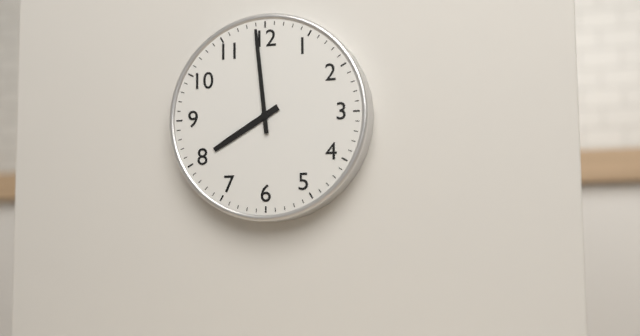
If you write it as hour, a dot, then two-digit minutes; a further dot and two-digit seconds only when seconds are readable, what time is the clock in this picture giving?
7.59
